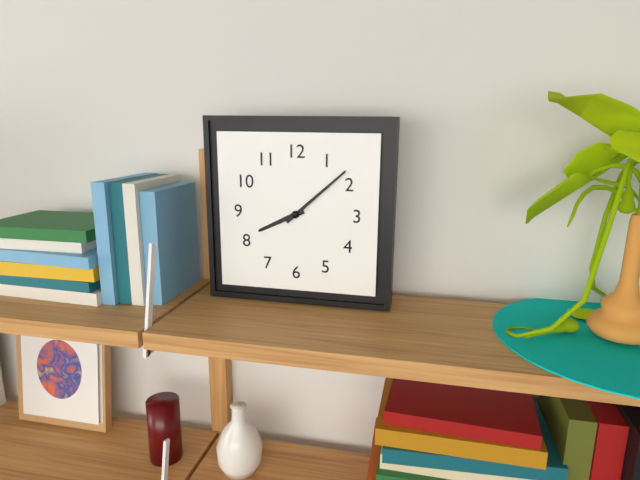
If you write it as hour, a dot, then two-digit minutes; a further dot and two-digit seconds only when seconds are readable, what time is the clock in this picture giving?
8.08
